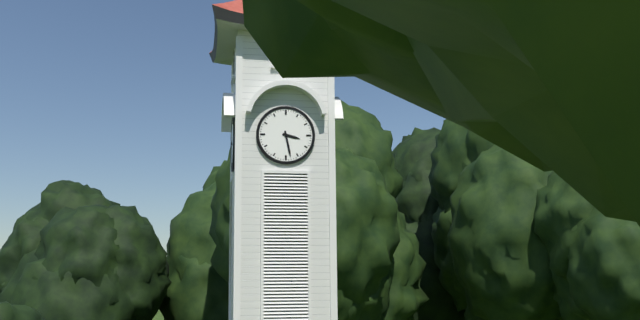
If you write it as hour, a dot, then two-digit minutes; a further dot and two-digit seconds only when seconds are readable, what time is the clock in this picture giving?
3.28
